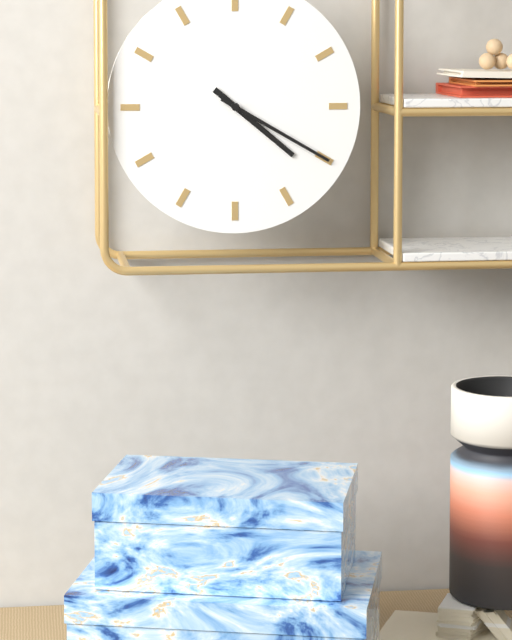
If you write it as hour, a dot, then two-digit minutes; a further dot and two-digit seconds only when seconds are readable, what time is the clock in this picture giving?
4.20
